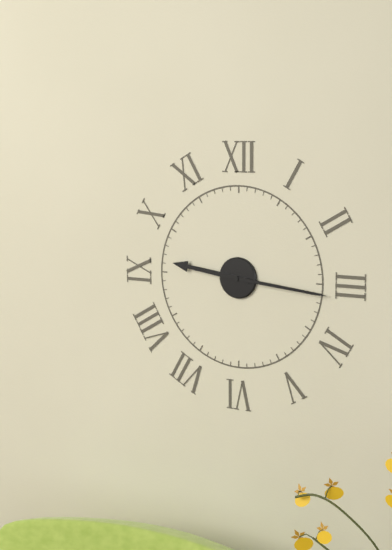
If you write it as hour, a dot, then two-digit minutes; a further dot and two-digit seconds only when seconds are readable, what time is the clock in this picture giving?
9.16
